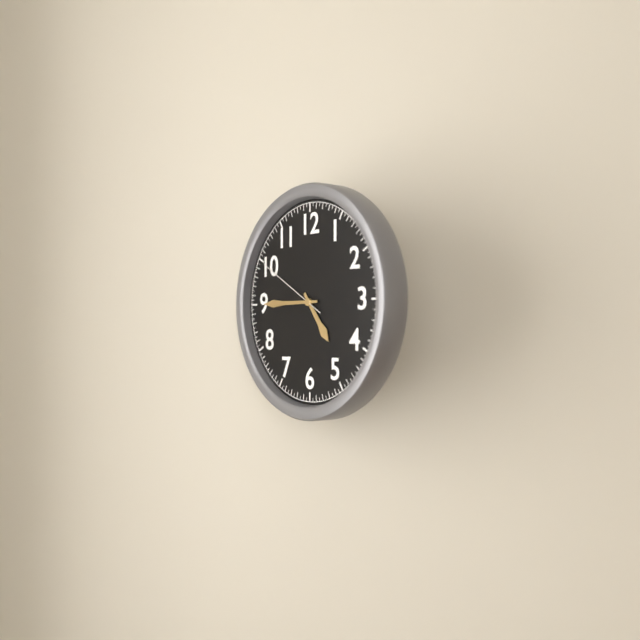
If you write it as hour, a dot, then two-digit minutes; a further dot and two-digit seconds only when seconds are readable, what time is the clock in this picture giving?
4.45.50
